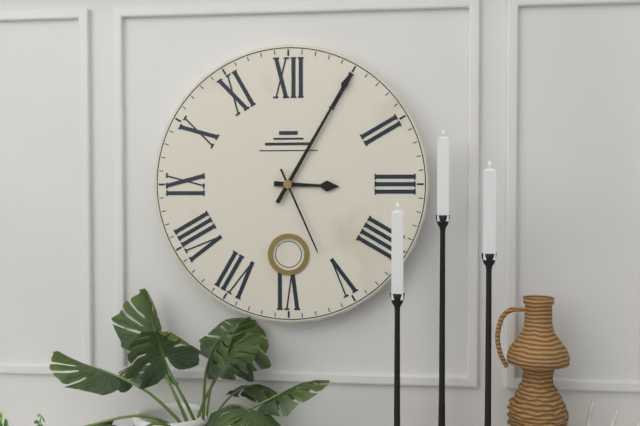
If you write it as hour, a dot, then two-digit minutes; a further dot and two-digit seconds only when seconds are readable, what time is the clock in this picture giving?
3.05.26
